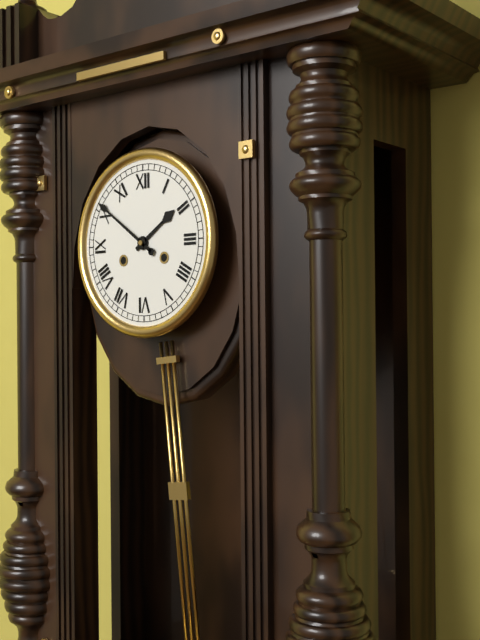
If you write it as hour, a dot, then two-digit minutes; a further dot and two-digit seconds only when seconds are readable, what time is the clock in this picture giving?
1.51
